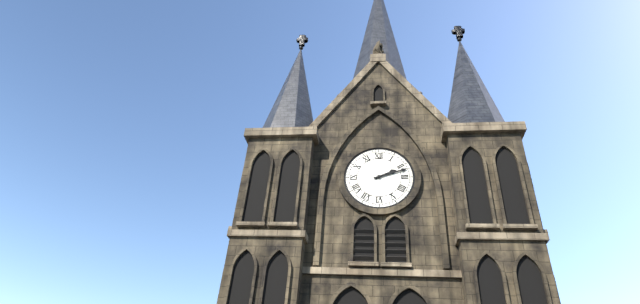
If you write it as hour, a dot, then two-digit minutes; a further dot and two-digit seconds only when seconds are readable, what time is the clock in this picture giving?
2.12
